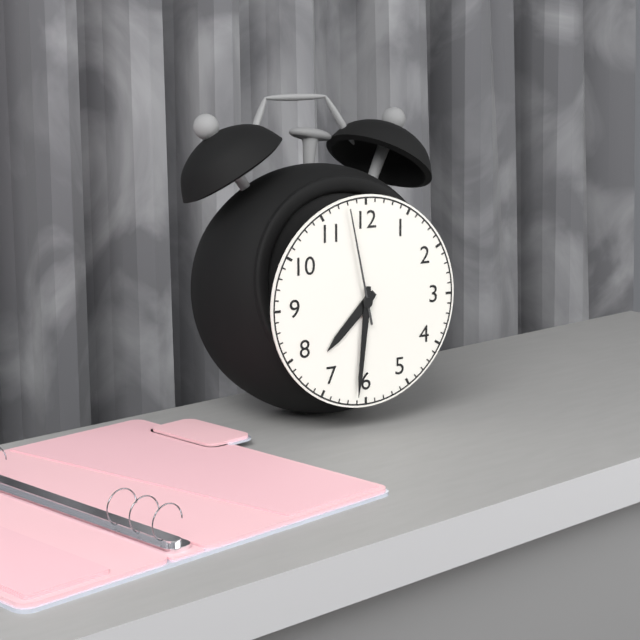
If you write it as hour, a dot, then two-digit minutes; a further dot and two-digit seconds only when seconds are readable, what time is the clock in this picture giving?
7.31.58
